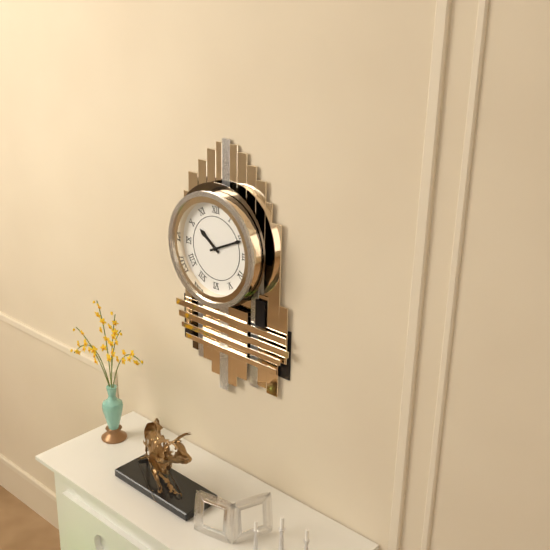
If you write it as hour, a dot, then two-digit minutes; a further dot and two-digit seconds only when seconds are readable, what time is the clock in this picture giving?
10.11
